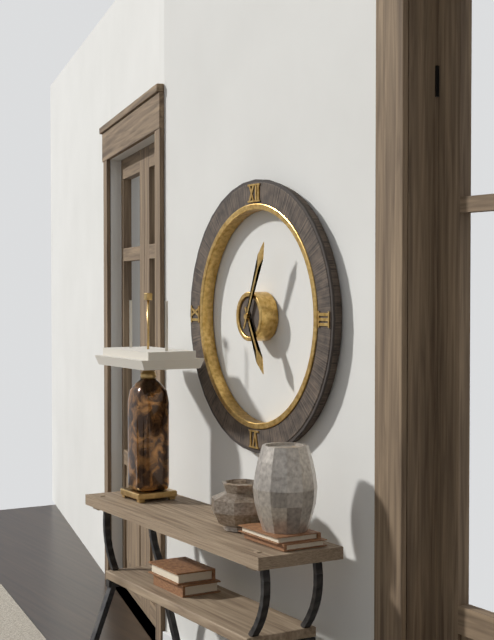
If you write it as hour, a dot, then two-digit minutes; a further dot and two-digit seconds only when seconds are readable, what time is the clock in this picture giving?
5.04
